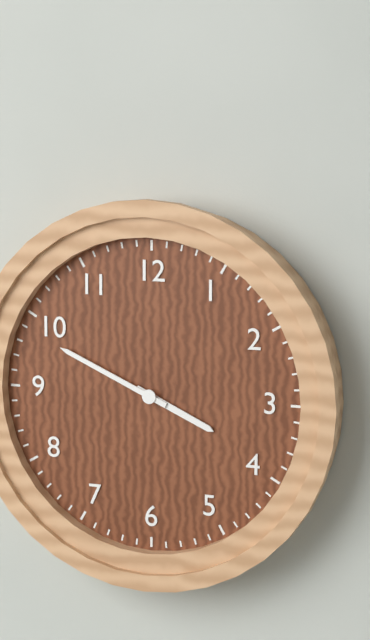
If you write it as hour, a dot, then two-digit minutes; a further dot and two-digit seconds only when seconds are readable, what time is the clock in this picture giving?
3.49
